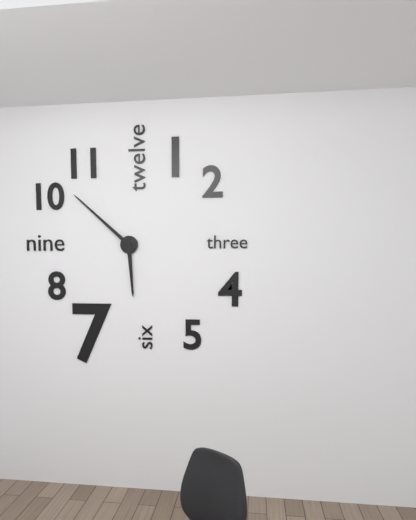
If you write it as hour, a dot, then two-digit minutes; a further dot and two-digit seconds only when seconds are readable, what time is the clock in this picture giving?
5.52
